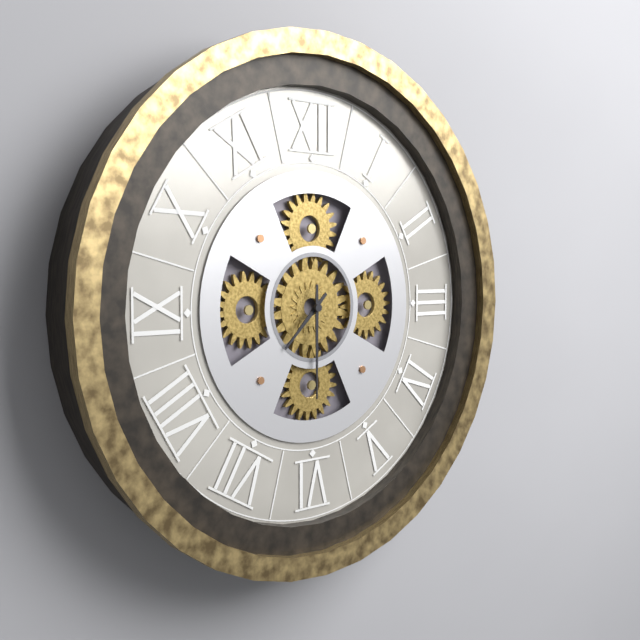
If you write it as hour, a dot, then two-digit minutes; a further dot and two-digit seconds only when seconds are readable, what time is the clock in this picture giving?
7.30
